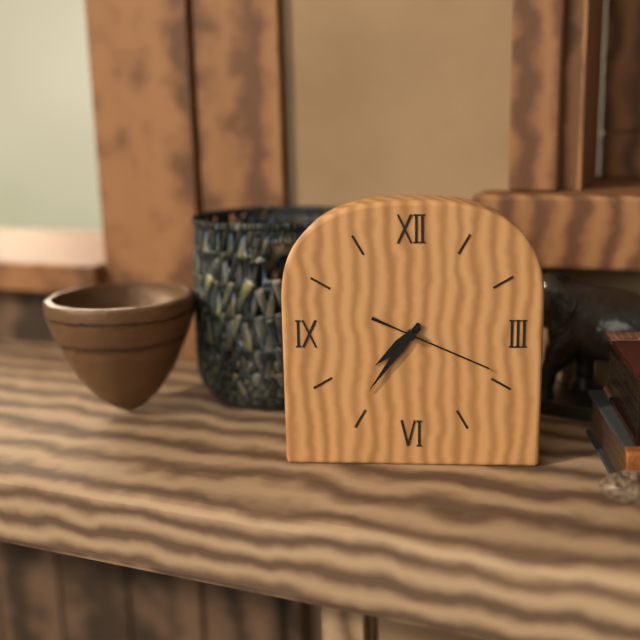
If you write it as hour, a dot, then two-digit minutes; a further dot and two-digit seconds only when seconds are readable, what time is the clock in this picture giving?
7.36.19
